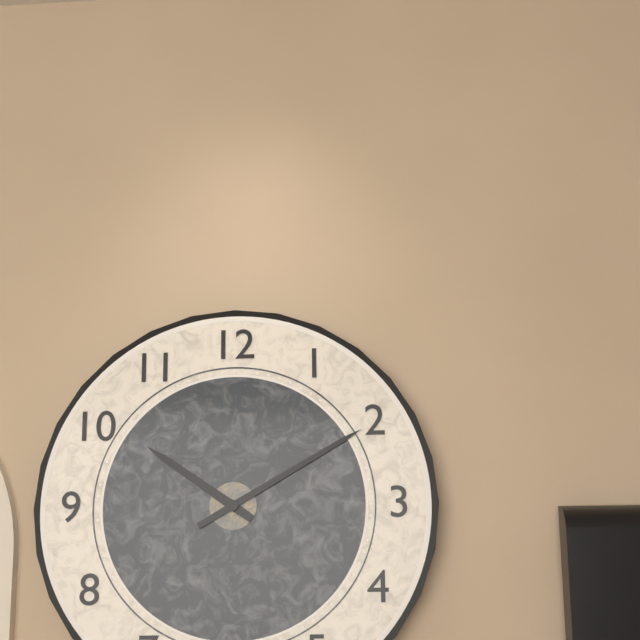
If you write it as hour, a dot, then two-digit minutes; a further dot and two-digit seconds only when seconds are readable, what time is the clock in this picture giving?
10.10
